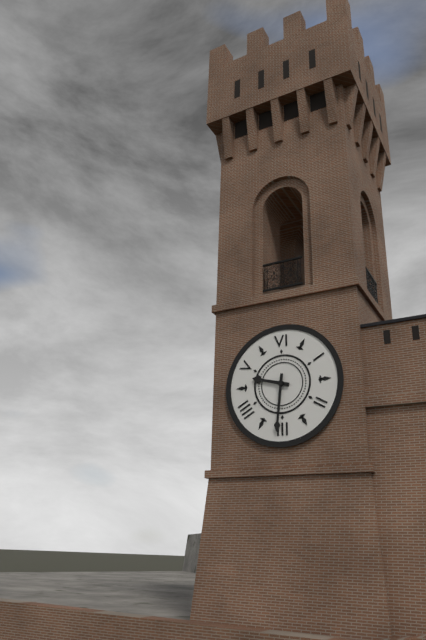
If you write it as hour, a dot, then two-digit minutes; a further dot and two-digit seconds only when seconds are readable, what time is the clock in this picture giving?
9.31
